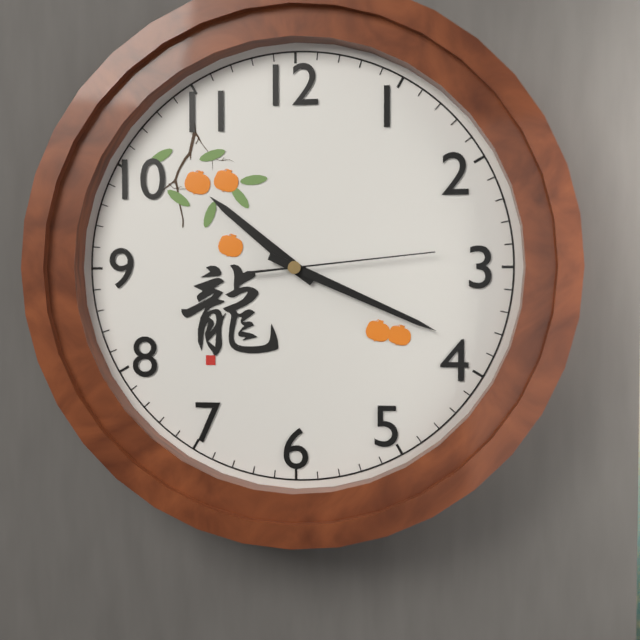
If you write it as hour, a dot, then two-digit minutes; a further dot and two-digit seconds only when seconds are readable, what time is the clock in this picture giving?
10.19.14
